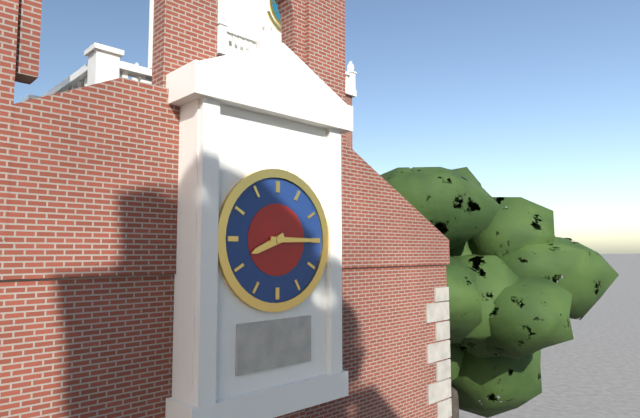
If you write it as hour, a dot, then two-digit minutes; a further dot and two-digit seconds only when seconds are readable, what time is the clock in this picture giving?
8.15
